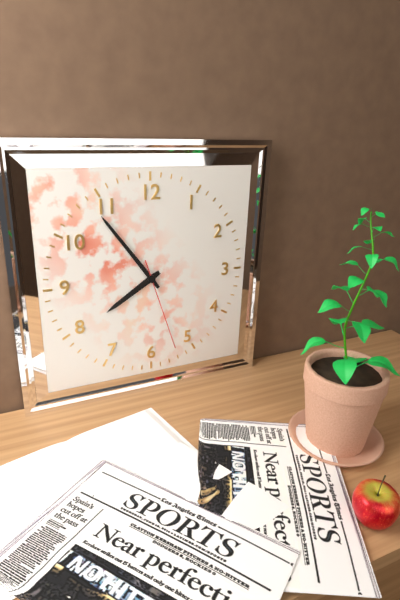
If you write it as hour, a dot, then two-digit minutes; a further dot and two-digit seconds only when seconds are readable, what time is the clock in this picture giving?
7.54.27
